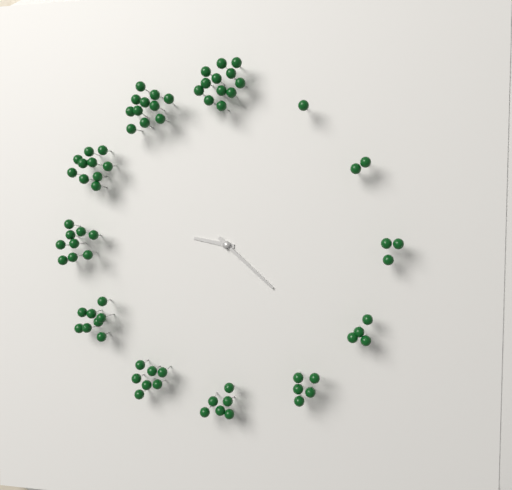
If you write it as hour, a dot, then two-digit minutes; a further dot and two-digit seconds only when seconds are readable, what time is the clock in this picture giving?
9.22
